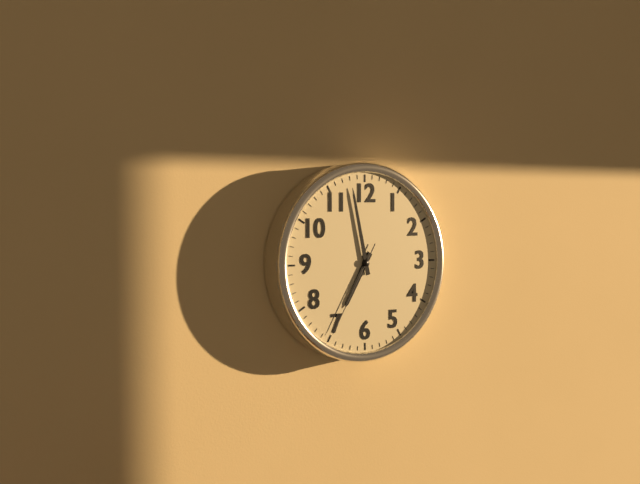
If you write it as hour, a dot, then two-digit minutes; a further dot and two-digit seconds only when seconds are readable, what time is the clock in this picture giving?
6.58.35
